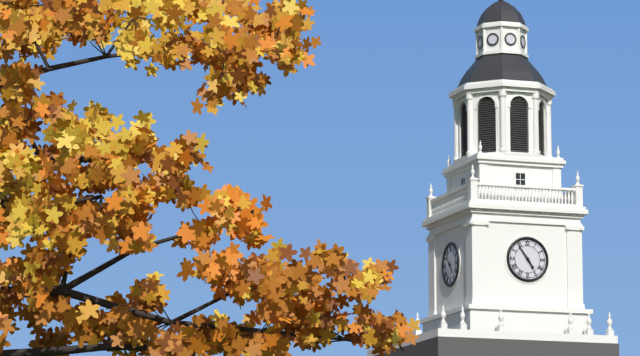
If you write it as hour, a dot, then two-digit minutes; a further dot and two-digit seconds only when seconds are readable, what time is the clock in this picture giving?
4.54
